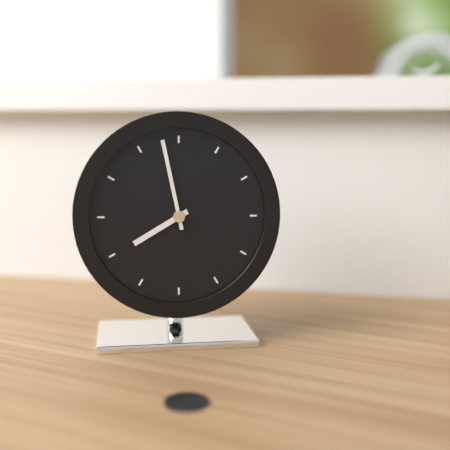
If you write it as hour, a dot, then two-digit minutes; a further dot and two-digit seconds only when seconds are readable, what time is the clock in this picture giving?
7.58
